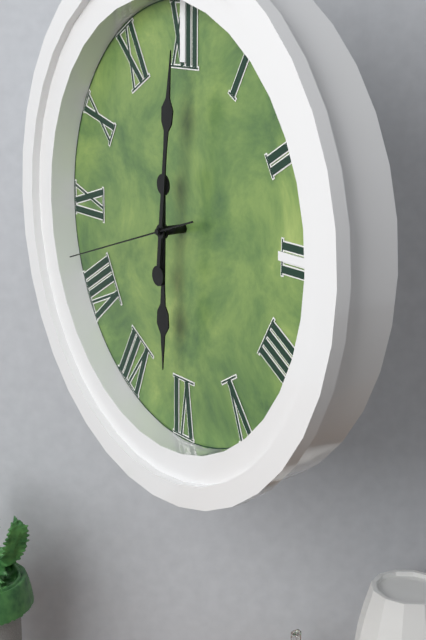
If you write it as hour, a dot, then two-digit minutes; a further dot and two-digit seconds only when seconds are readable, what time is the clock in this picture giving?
6.01.42
